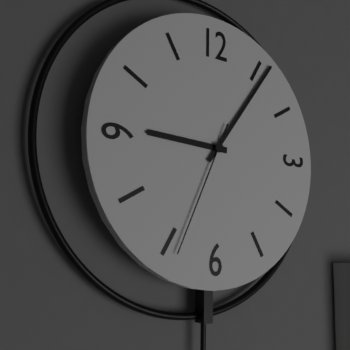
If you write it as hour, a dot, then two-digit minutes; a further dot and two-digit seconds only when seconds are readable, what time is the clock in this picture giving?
9.06.34
